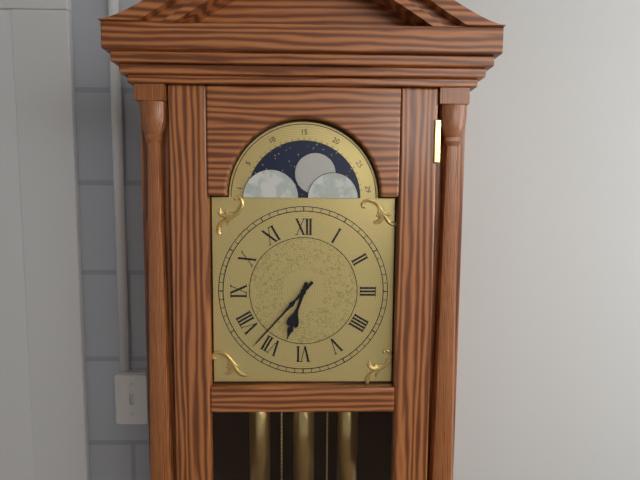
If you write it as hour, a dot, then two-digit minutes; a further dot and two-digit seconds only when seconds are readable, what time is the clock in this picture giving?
6.37
